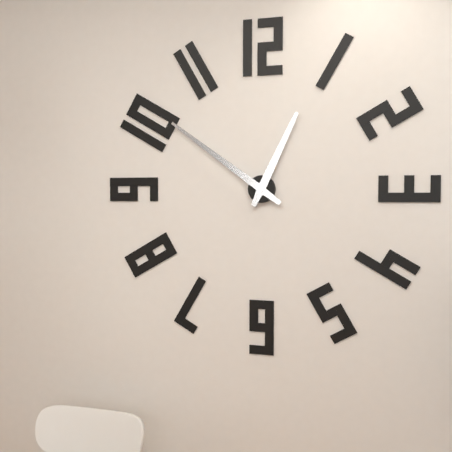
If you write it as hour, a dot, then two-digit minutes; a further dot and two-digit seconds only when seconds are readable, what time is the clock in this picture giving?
12.51
